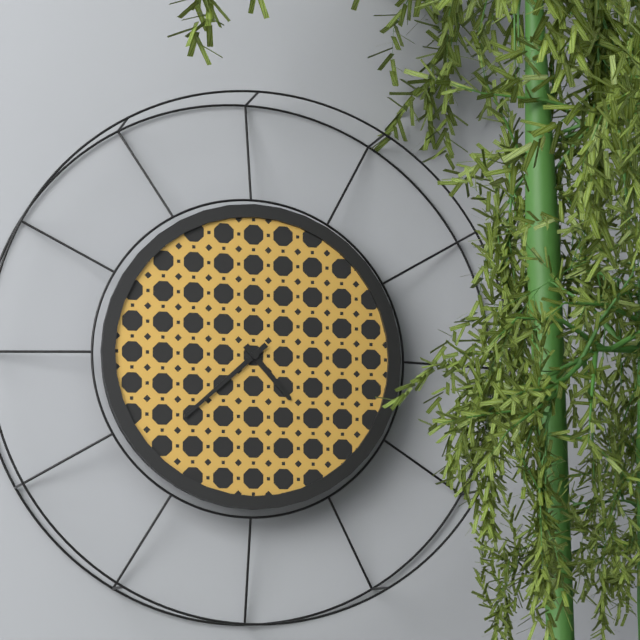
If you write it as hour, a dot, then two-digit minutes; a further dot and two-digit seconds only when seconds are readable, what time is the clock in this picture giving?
4.38
